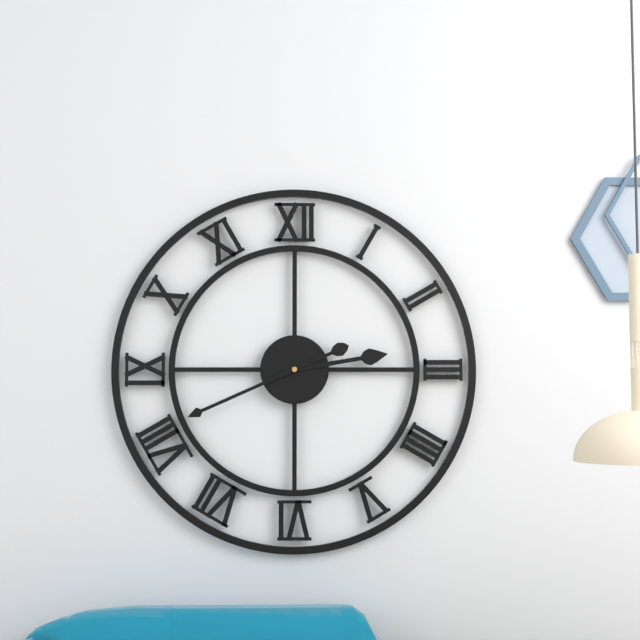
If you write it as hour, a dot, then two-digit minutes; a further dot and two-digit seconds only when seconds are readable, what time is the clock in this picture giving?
2.41
